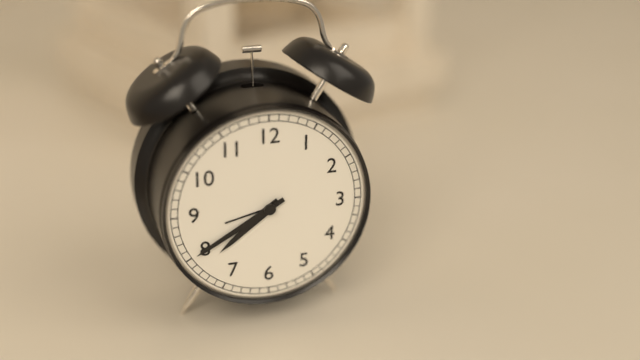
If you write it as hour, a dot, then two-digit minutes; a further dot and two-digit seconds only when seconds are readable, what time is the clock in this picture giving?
7.40
